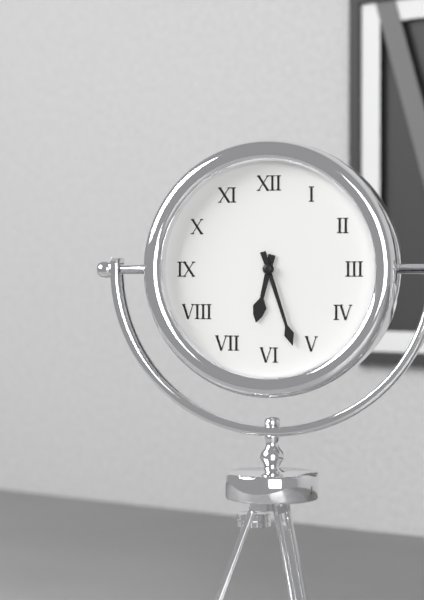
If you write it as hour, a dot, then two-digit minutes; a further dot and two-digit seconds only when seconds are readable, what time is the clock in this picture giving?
6.27
